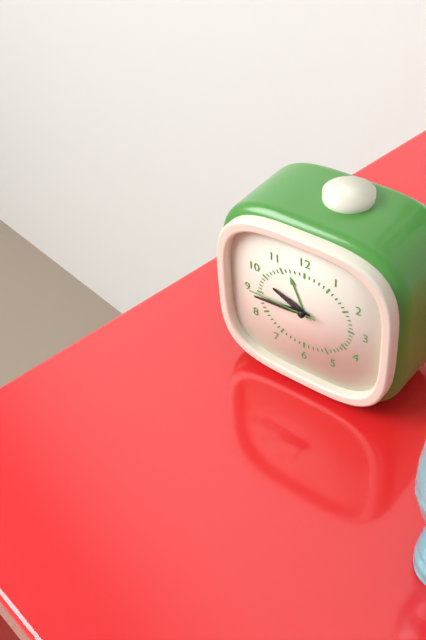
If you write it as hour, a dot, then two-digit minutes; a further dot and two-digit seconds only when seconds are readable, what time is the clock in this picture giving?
9.44.45
